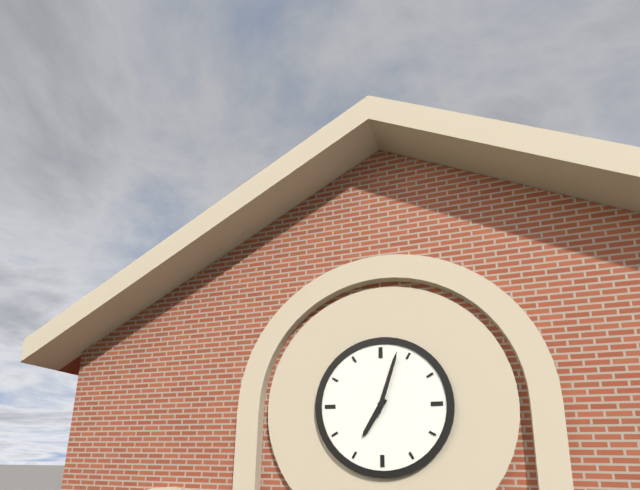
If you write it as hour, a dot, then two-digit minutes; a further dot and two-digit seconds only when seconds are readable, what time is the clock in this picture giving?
7.03
